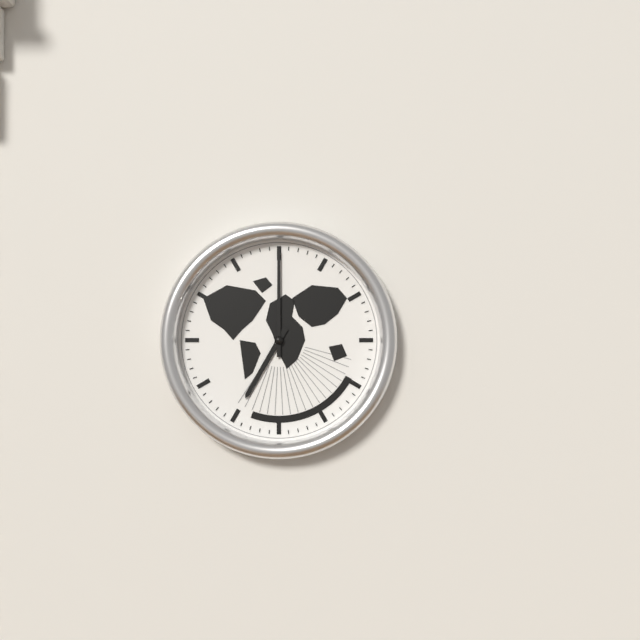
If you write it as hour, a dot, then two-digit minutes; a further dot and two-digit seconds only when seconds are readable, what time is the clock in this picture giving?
7.00
